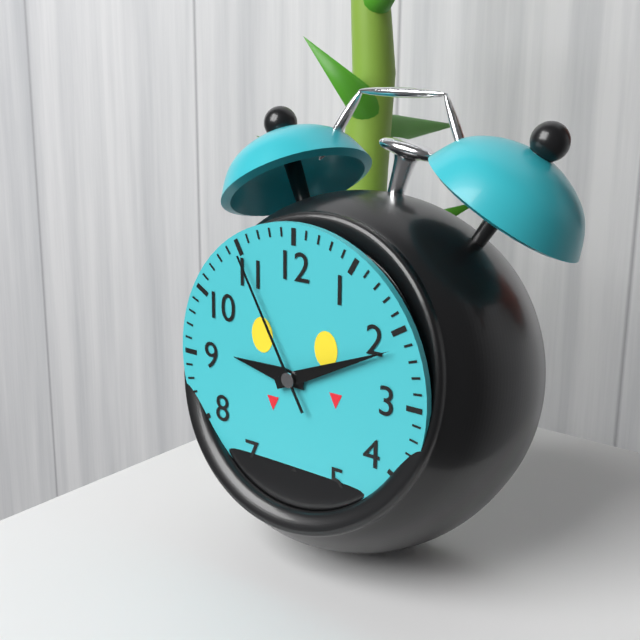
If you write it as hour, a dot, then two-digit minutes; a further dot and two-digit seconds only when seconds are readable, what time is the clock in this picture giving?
9.11.55
